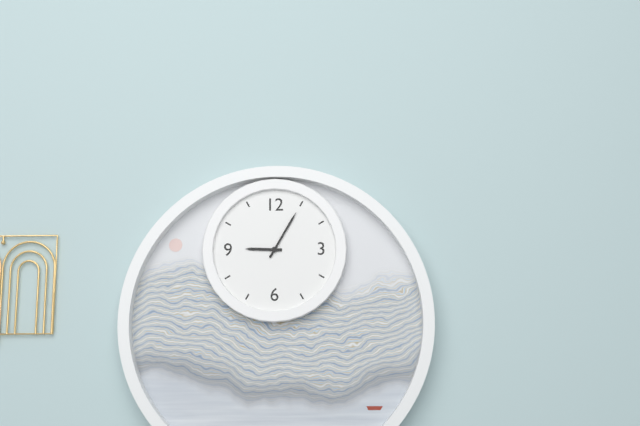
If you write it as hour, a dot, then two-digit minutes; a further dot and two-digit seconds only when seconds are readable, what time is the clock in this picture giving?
9.05
